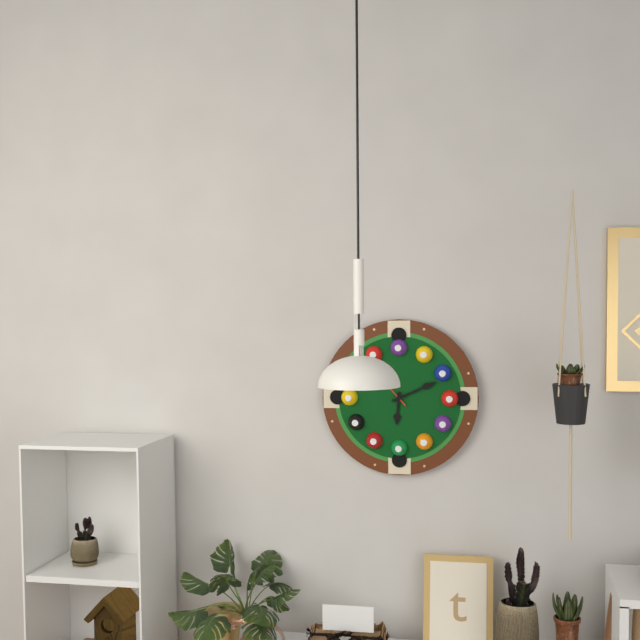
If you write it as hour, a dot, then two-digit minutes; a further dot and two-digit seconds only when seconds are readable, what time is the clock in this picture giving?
6.11
